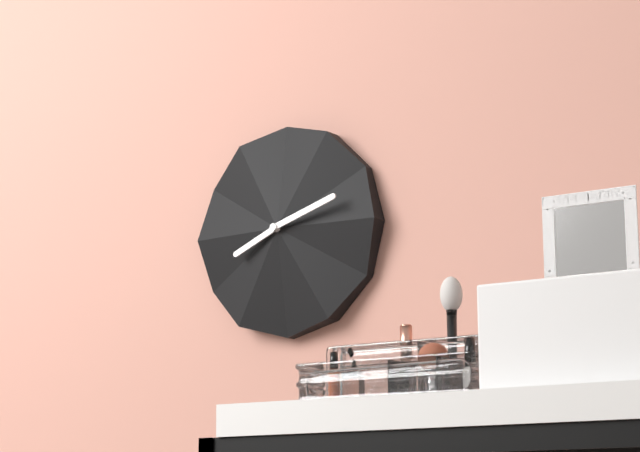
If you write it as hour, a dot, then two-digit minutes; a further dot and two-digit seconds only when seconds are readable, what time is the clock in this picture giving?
8.12
